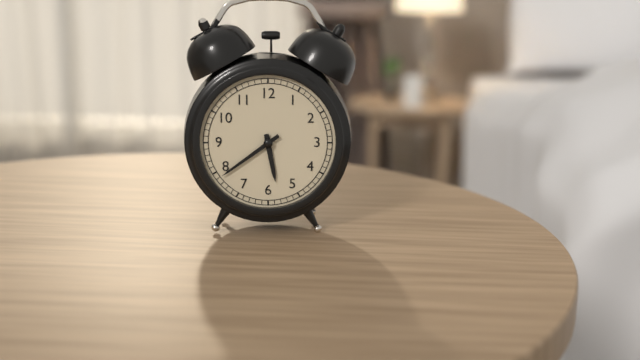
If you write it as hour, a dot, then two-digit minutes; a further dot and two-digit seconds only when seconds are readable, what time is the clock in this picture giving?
5.39
